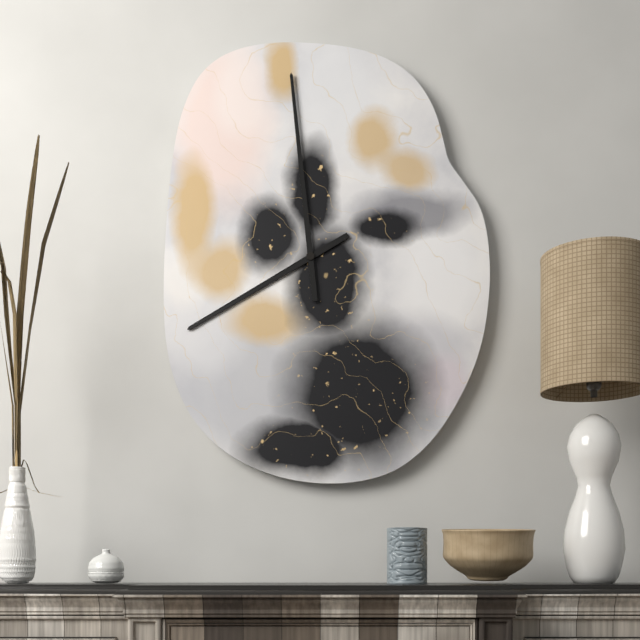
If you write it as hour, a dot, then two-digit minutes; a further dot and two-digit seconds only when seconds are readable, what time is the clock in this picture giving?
7.59
